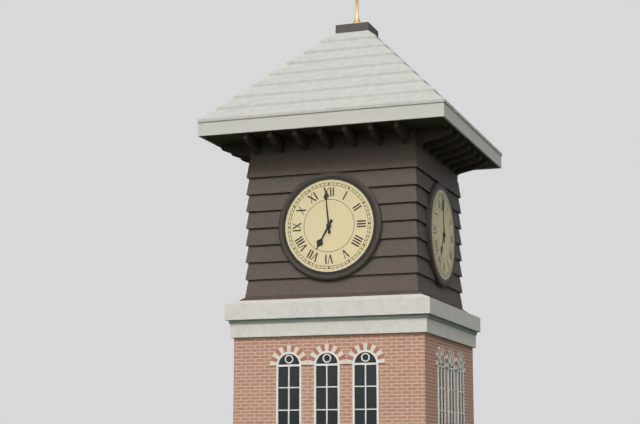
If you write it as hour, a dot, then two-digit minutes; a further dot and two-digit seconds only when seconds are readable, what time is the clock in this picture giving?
6.59
